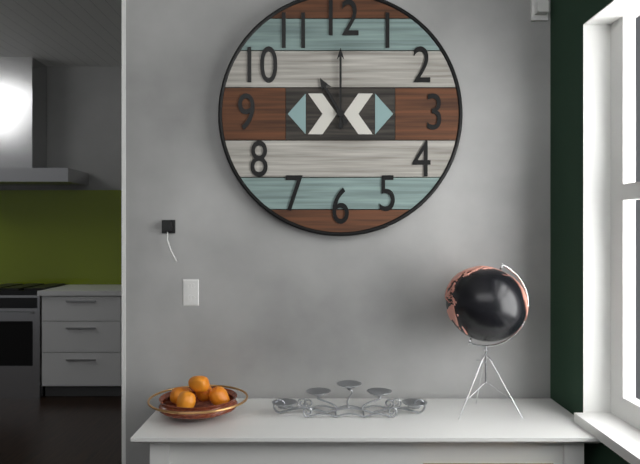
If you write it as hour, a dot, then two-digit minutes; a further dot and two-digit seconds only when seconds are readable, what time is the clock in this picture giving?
11.00
